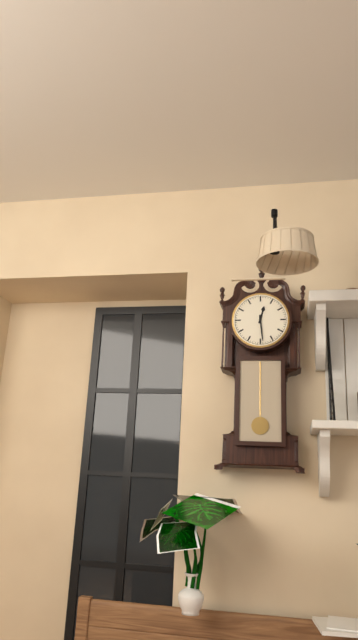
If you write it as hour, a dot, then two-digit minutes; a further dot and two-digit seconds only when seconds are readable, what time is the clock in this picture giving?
12.29
